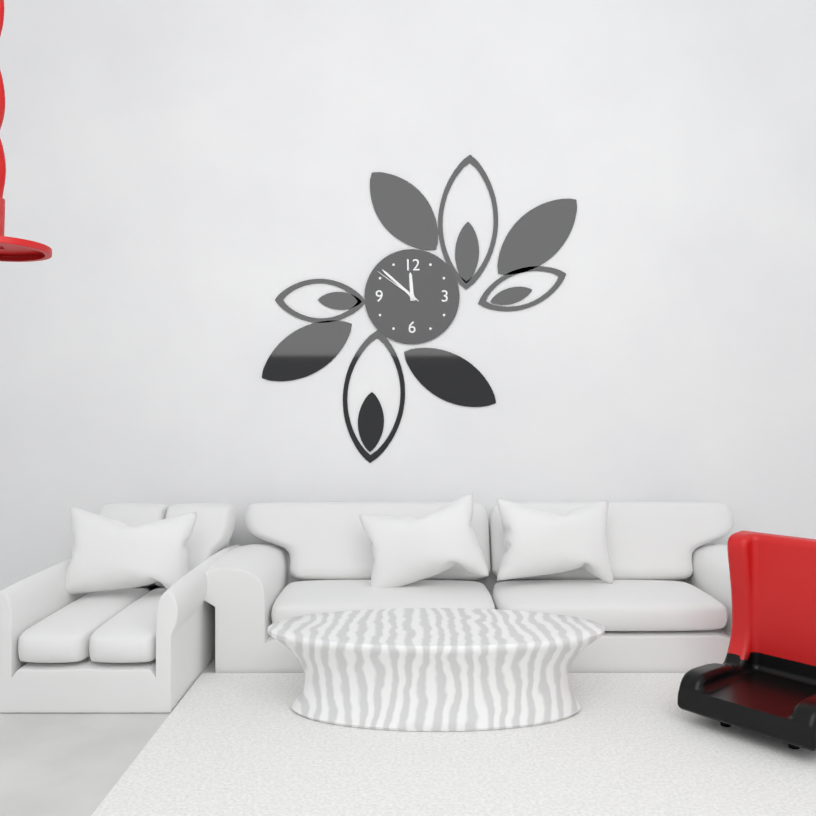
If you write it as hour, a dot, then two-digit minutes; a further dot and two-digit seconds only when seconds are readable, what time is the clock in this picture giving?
11.52.51
